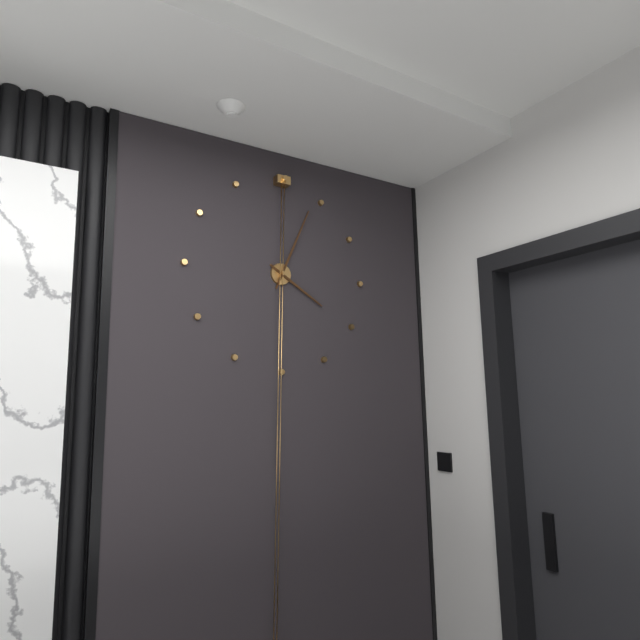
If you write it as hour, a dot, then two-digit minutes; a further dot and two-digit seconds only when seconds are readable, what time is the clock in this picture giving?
4.04
